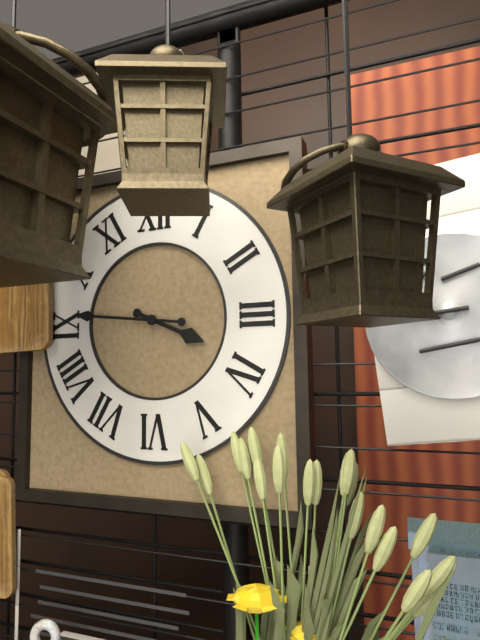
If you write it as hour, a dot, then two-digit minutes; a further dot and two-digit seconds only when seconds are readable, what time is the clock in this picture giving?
3.46
